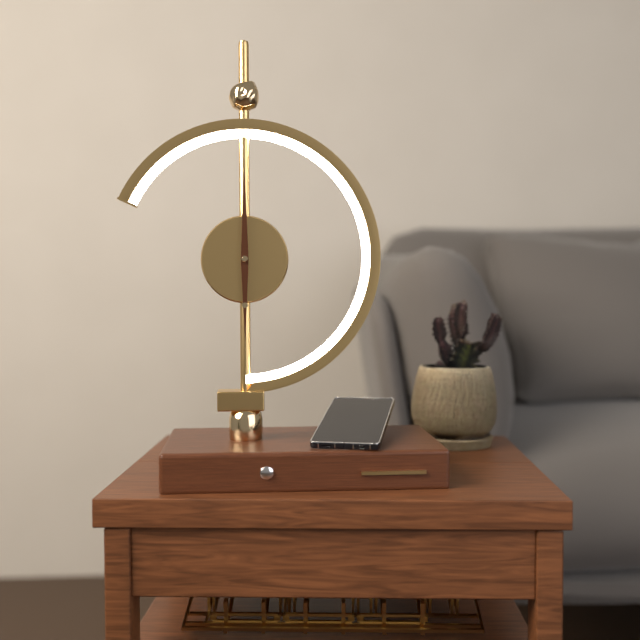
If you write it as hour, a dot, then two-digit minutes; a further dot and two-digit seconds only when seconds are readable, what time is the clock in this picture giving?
6.00
